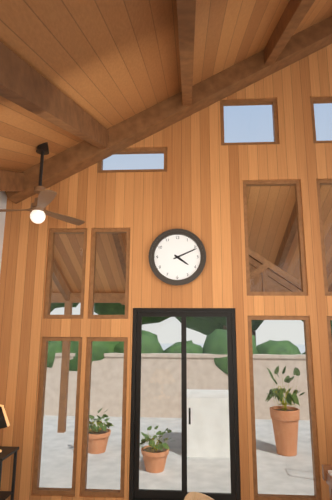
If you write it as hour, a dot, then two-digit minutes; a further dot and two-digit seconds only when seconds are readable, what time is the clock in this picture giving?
4.11
